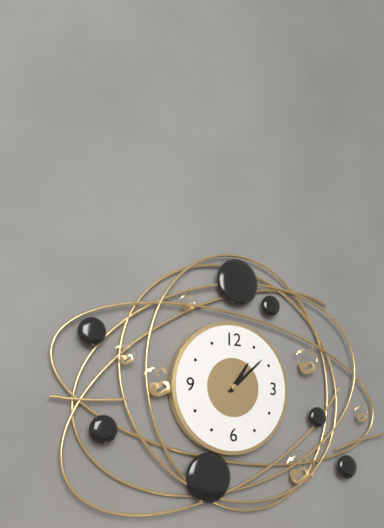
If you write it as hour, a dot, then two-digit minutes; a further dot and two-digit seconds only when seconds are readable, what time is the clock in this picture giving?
1.08
